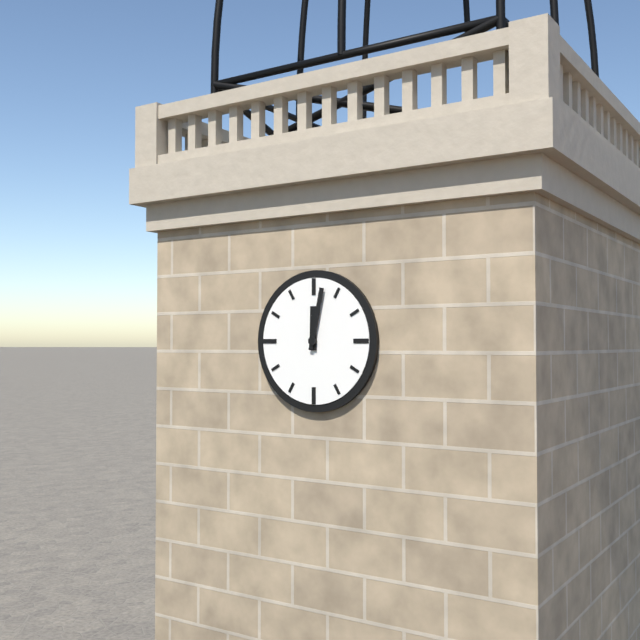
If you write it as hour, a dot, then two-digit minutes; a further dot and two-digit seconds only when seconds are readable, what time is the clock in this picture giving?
12.02
